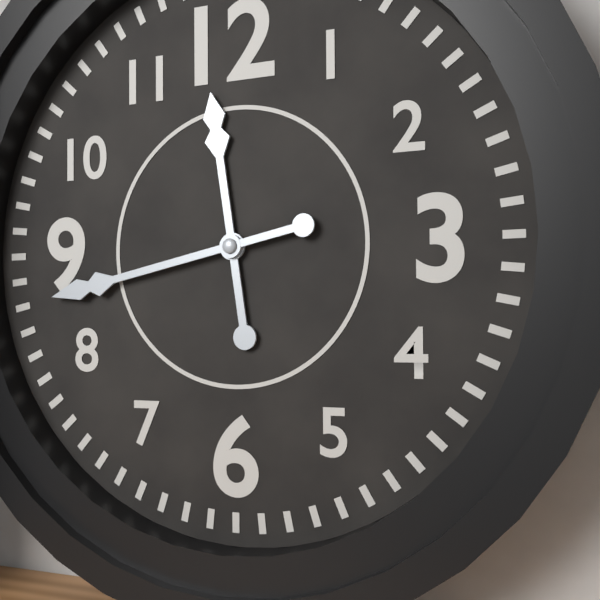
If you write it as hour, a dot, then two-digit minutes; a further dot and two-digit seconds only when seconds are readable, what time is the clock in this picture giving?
11.43
